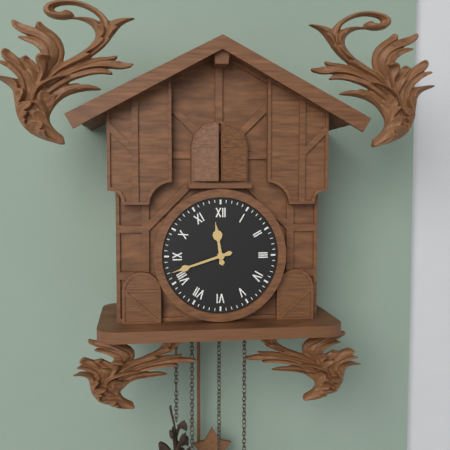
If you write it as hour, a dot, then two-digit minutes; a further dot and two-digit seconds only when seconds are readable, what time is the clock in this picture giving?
11.42
